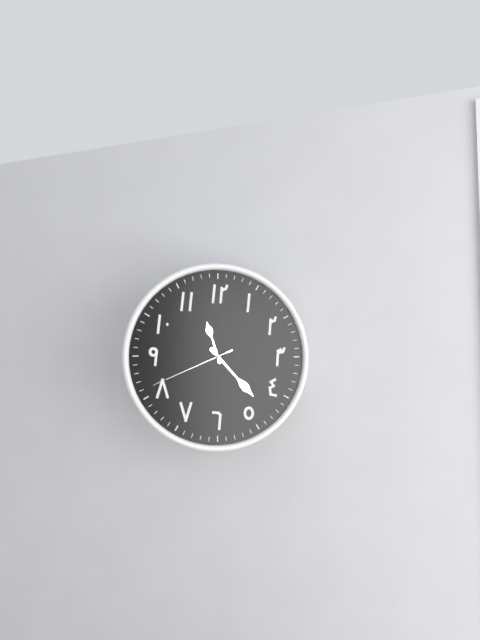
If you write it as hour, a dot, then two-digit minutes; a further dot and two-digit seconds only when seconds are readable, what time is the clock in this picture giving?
11.23.41
